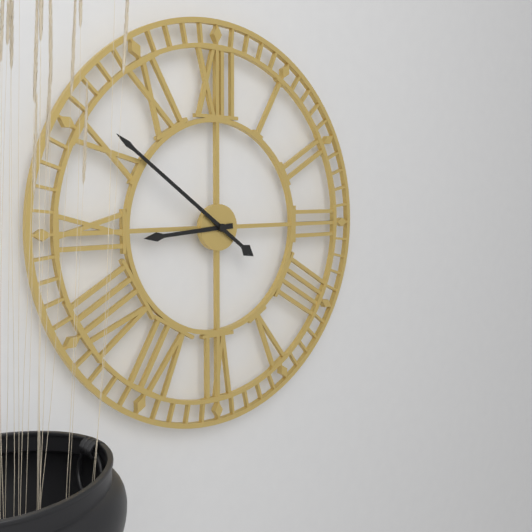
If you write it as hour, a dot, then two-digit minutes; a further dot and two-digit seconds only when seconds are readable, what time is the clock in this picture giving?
8.51
